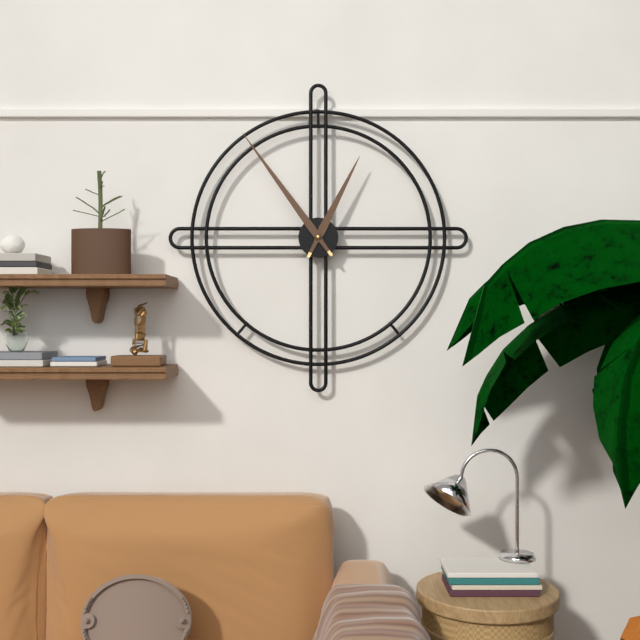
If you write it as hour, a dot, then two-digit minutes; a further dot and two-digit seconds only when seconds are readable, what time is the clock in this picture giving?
12.54
